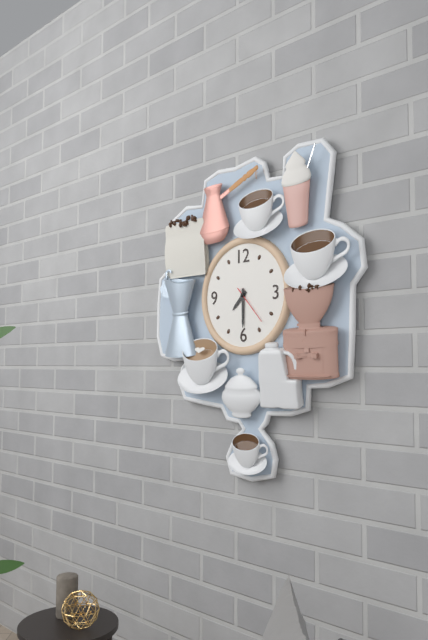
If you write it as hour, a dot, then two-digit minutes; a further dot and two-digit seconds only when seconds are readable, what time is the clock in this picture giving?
7.30
